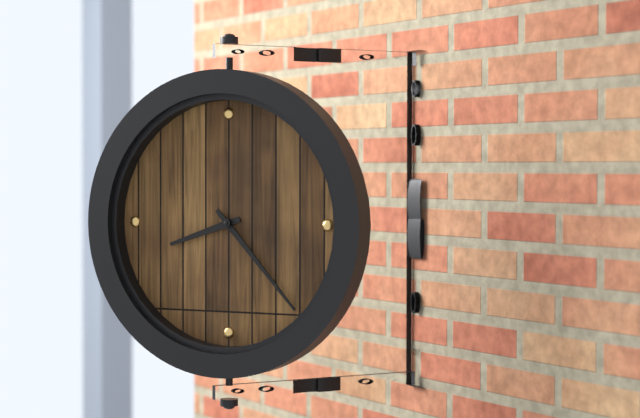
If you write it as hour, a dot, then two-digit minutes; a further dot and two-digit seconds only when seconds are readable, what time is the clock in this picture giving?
8.23
